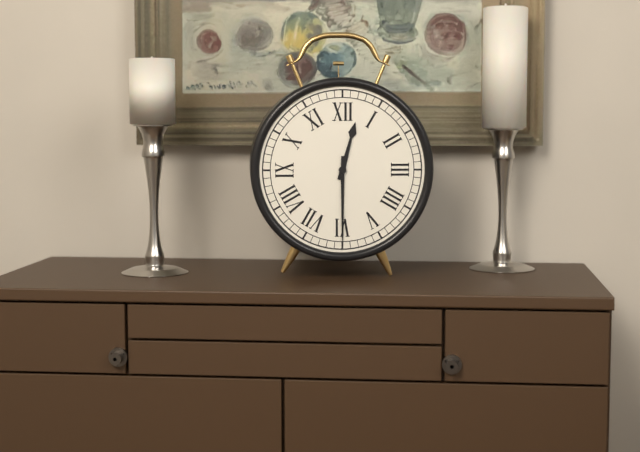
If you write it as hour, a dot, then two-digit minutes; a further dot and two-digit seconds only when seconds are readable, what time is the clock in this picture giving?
12.30
